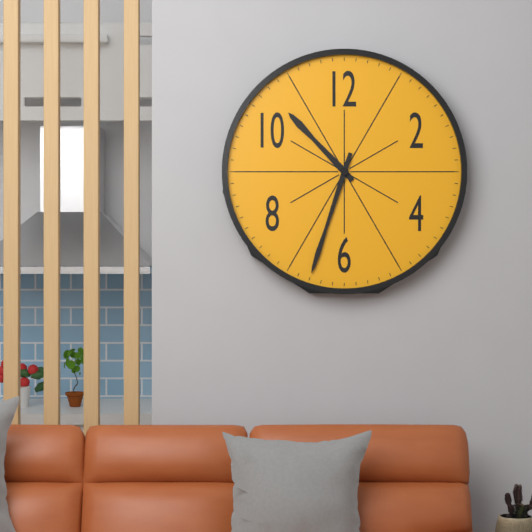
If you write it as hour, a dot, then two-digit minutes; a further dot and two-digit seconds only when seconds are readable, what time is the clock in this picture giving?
10.33
